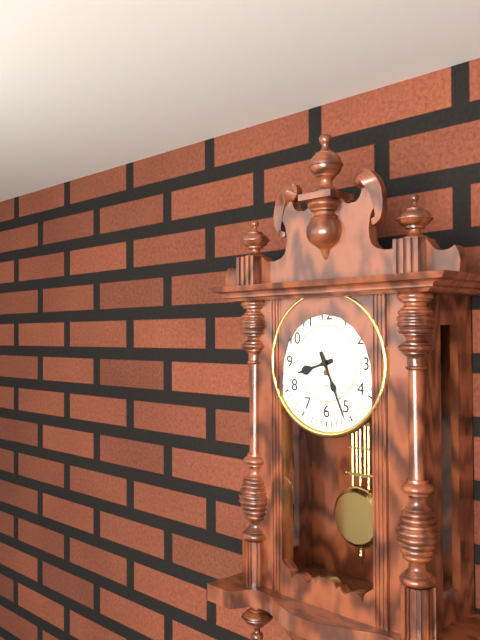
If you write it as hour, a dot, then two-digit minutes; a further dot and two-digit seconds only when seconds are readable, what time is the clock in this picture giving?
8.26
